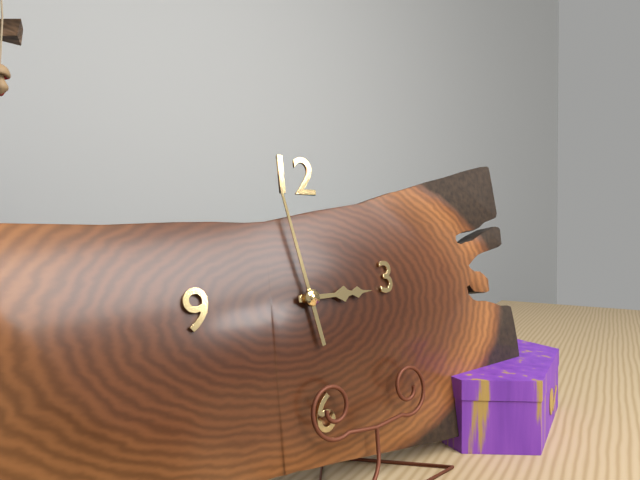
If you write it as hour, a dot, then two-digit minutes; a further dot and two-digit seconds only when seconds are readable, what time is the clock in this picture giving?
2.58
